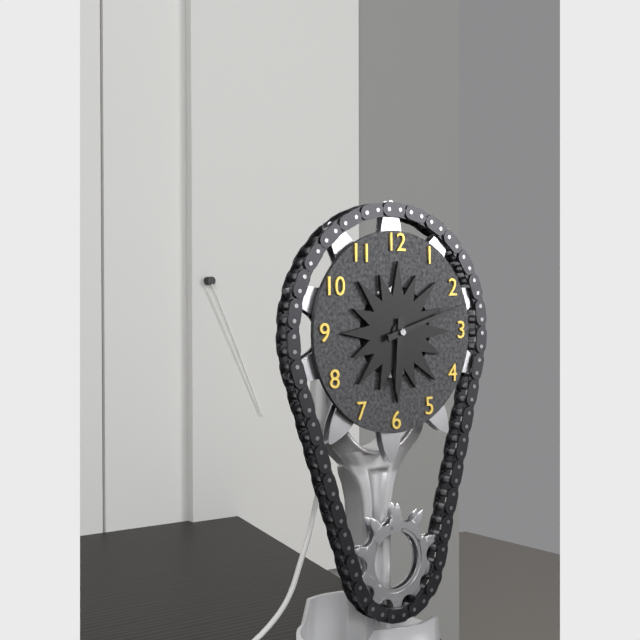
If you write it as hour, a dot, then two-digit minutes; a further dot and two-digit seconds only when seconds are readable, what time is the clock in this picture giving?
6.12
